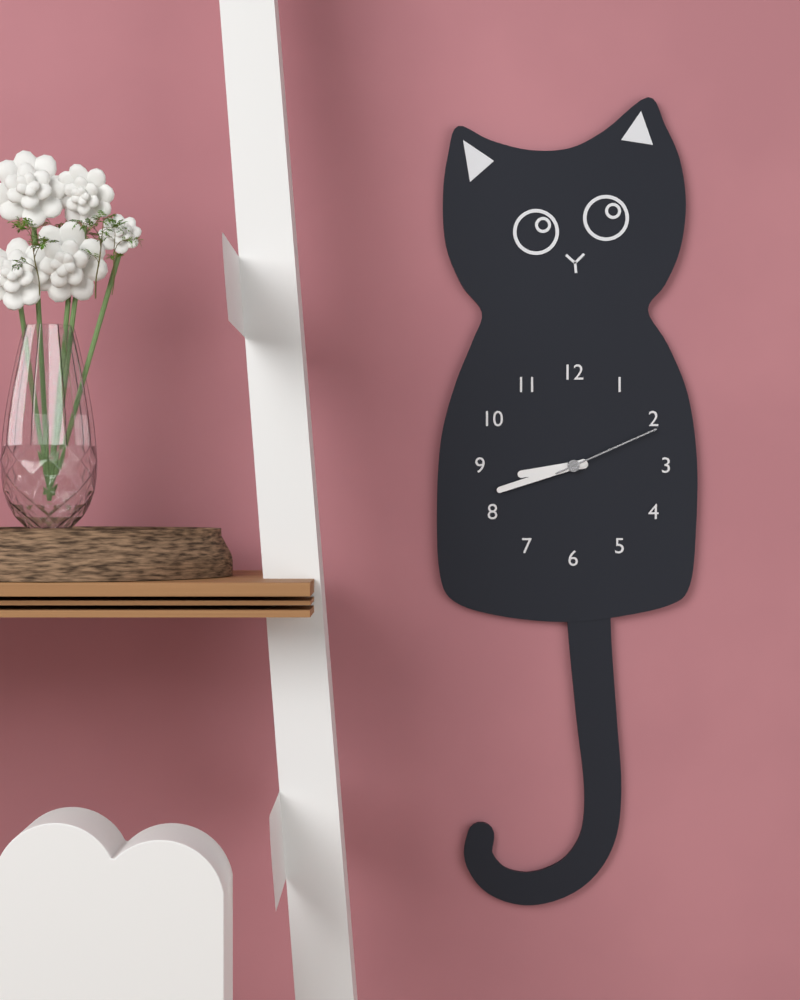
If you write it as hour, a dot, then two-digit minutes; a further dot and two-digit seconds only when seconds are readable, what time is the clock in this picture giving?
8.42.11
